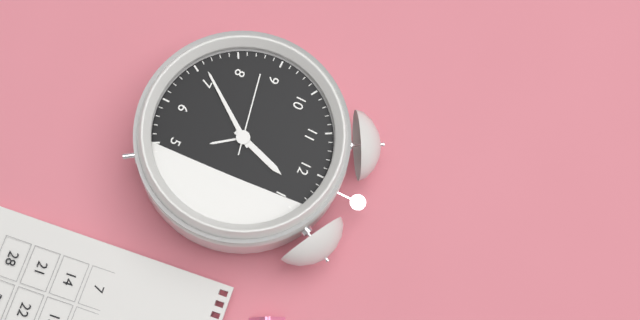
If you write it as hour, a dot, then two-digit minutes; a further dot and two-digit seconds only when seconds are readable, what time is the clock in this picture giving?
12.36.43
